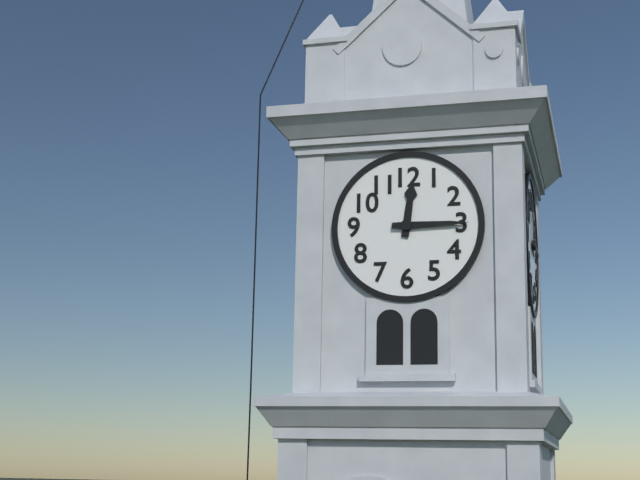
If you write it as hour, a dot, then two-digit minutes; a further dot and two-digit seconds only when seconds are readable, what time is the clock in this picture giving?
12.15
